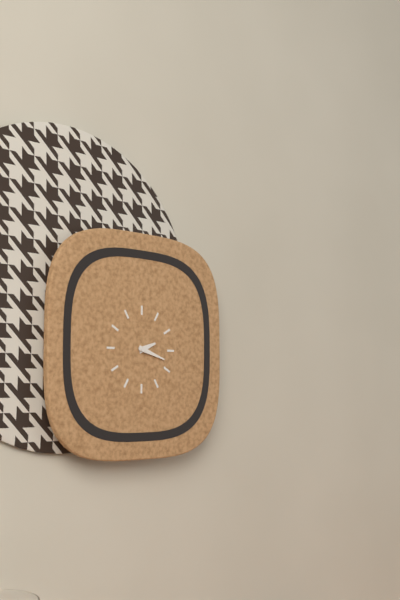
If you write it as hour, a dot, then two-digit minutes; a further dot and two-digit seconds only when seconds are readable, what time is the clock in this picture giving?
2.18
